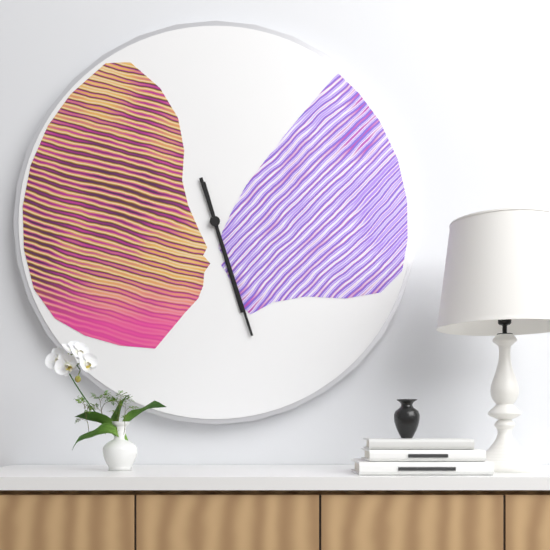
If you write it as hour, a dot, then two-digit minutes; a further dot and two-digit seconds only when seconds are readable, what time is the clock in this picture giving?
5.27
